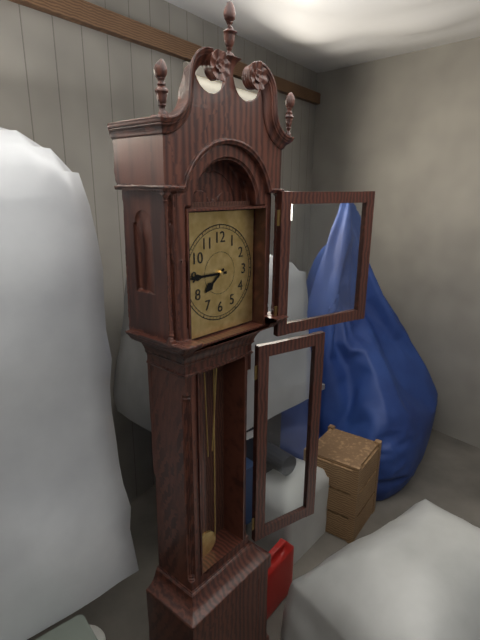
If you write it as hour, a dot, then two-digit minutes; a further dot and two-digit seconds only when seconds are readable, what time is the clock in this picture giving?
7.45
